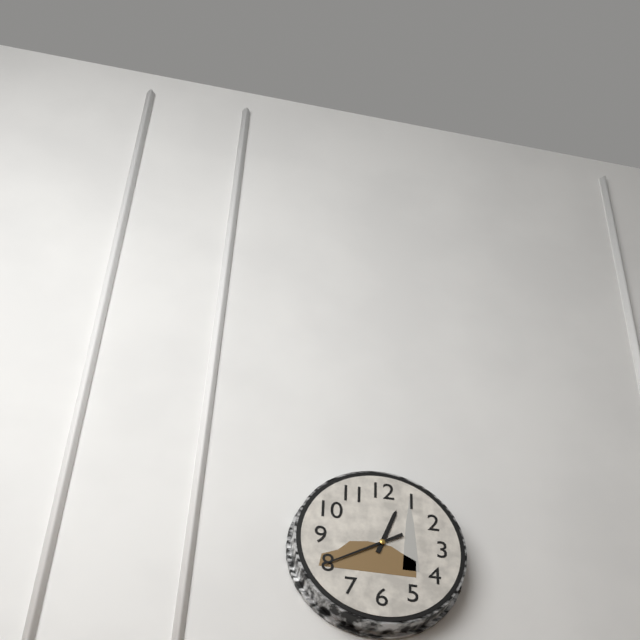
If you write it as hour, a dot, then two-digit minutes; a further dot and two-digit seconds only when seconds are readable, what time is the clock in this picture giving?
12.40
